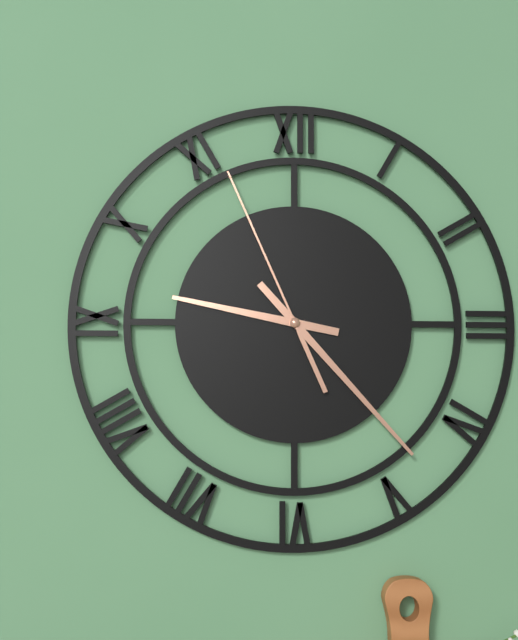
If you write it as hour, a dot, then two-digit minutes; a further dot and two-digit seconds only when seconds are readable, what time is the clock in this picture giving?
9.23.56
